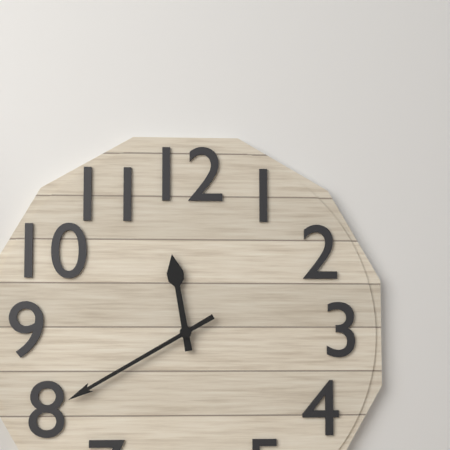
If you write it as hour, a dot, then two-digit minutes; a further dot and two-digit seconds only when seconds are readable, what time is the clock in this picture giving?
11.40
